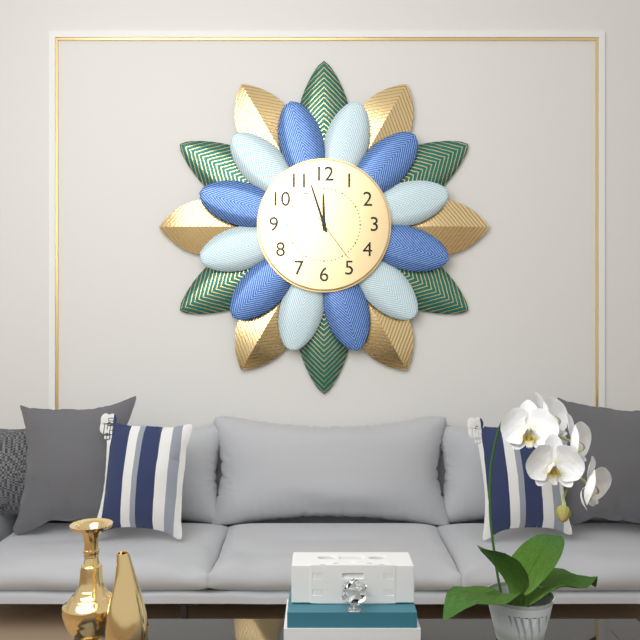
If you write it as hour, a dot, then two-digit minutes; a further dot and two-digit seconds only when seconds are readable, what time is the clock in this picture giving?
11.57.24
